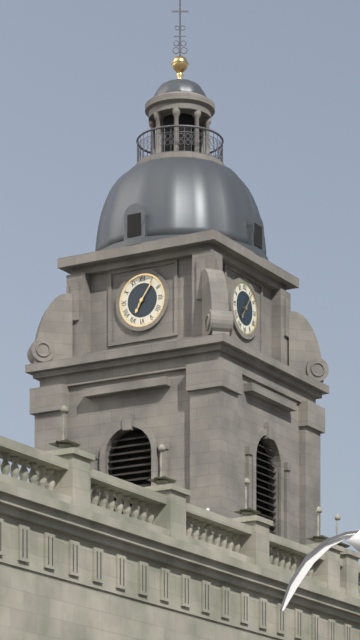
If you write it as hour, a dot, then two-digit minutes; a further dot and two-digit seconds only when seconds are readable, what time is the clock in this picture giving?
7.06
